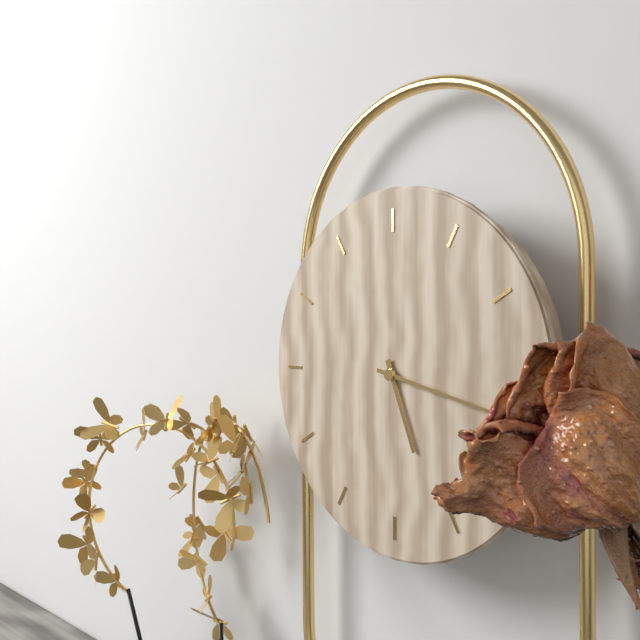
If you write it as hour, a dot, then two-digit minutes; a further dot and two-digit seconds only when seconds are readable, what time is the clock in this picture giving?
5.17
